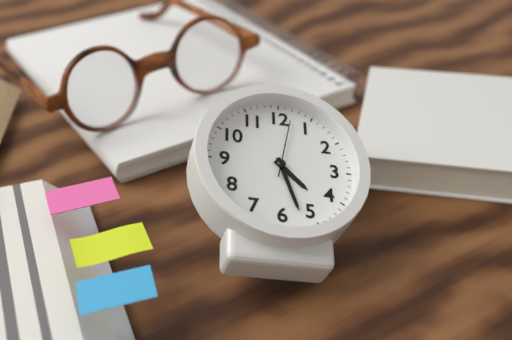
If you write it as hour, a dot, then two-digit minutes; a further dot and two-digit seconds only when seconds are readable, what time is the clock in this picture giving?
4.27.02
